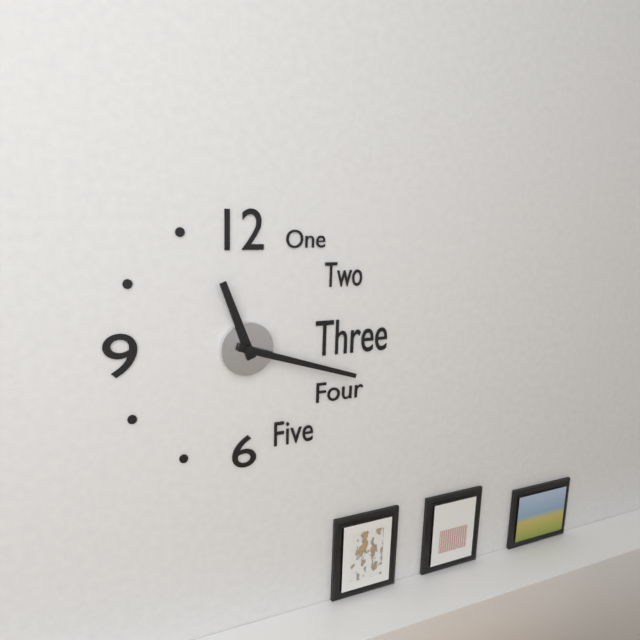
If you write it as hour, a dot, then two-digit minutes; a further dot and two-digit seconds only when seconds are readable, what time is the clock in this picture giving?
11.18
